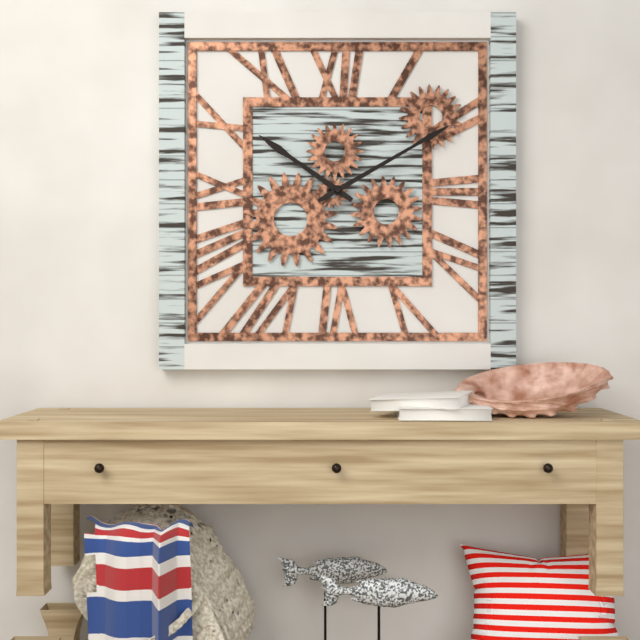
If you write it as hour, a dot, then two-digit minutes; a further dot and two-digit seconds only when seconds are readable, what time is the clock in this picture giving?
10.10
